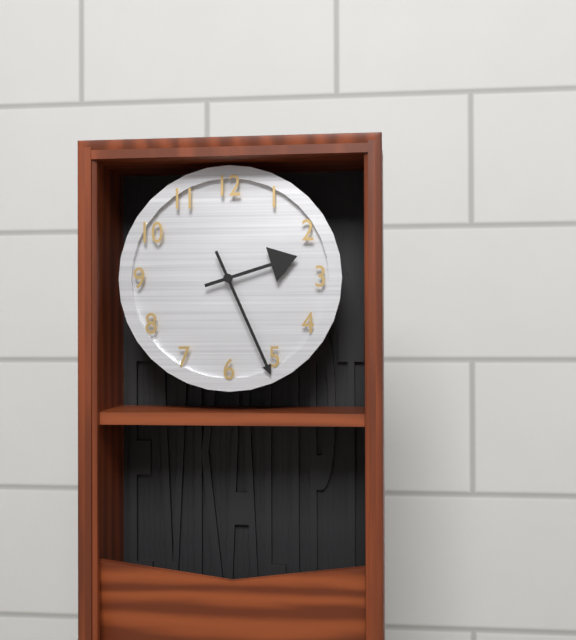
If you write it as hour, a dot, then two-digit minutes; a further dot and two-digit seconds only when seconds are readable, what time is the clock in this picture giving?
2.26
